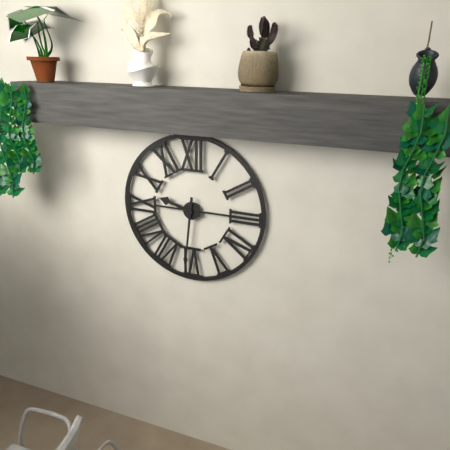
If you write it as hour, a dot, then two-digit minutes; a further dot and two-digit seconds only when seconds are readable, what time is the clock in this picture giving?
9.31
